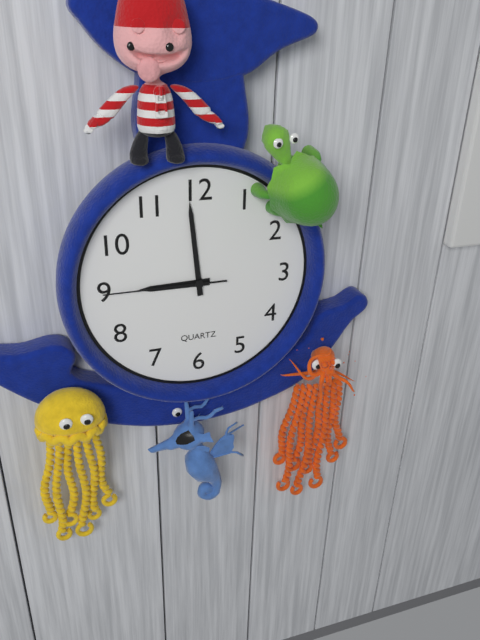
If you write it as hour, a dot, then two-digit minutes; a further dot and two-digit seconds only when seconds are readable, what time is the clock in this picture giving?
8.59.45
